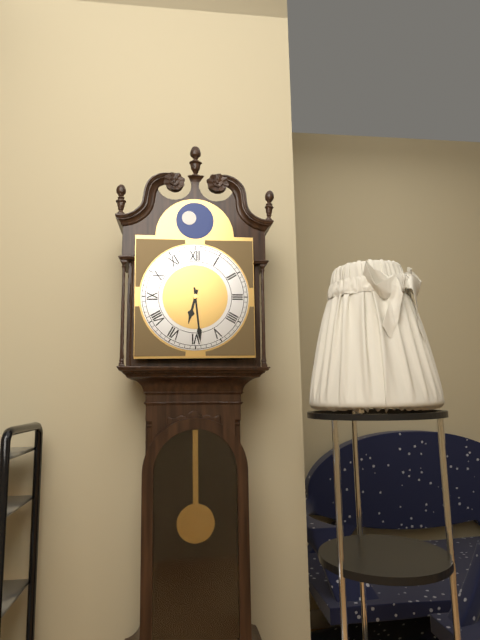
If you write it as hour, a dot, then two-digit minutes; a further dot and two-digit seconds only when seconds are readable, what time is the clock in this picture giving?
6.29
